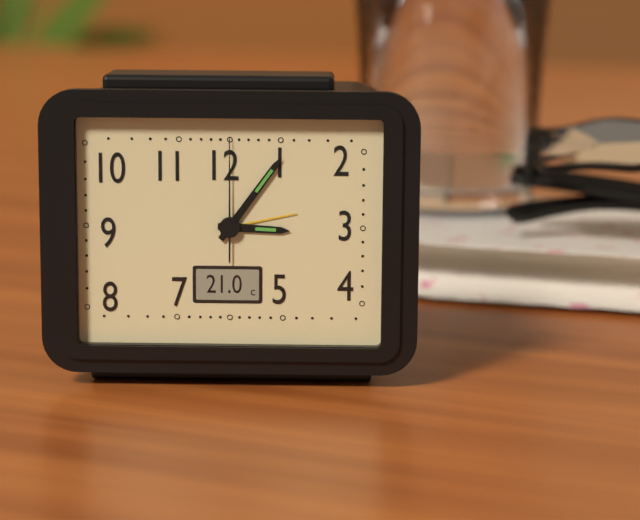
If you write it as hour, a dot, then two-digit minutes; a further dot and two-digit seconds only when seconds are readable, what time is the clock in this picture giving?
3.06.00
